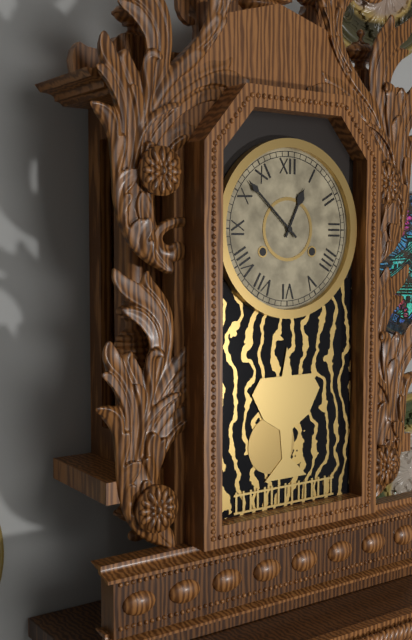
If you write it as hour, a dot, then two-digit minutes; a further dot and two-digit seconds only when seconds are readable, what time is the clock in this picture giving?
12.52
